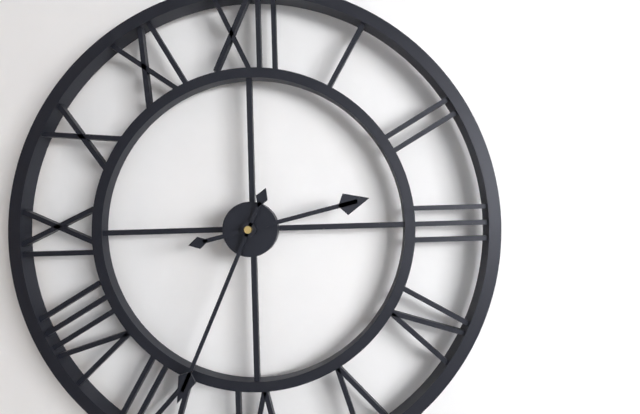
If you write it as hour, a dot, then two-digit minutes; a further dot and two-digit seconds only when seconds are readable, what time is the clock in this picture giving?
2.34
